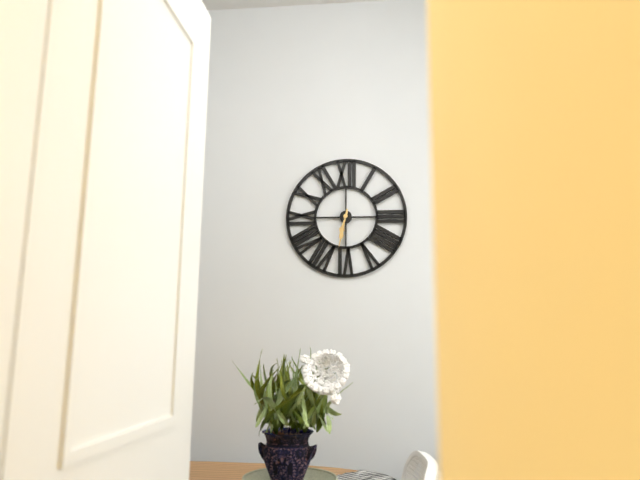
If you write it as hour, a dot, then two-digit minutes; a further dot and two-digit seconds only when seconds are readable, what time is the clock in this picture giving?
6.32
